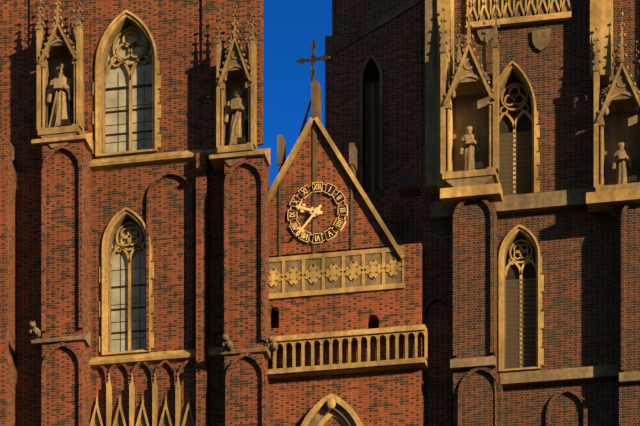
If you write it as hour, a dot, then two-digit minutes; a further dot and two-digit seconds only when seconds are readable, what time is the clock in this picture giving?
9.37
